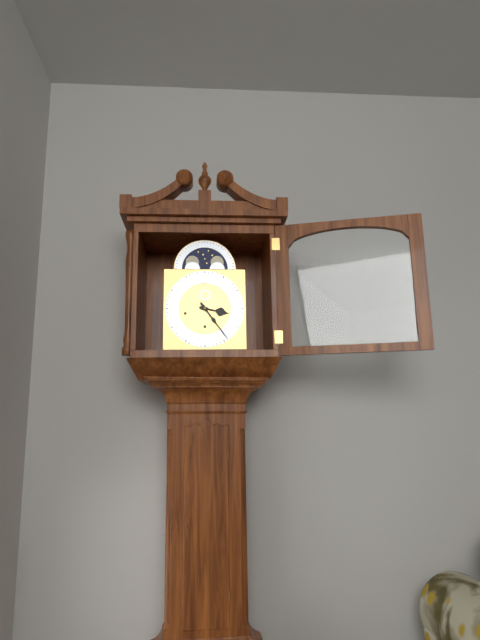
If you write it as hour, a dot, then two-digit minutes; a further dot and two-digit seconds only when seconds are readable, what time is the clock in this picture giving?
3.24
